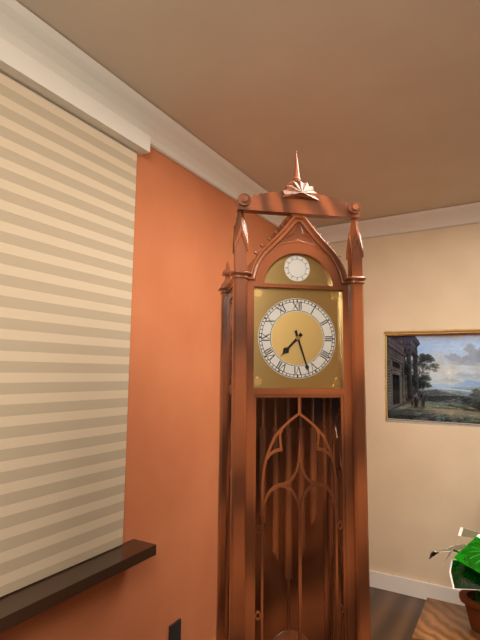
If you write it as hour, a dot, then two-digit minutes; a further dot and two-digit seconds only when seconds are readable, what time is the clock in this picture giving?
7.27
